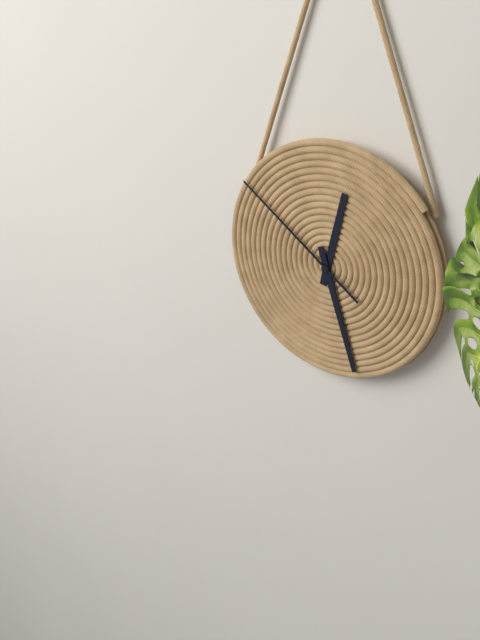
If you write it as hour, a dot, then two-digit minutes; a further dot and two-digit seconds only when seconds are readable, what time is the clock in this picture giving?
12.27.51
